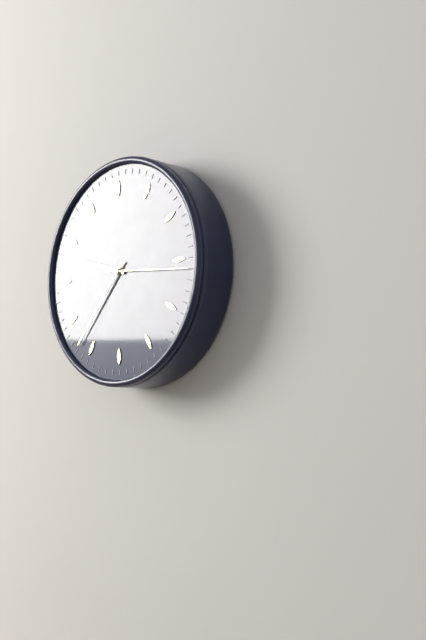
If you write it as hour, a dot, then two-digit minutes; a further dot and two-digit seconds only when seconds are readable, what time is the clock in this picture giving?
9.37.16
